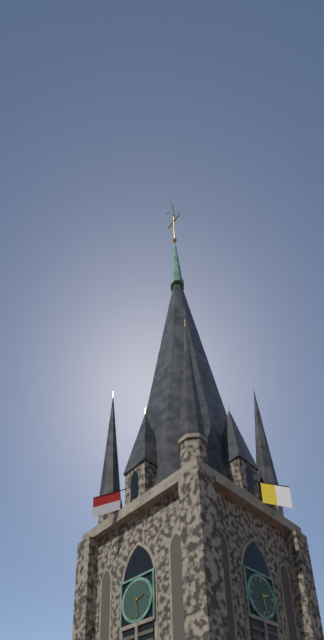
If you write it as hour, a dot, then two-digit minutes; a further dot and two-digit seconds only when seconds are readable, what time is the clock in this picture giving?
2.28
